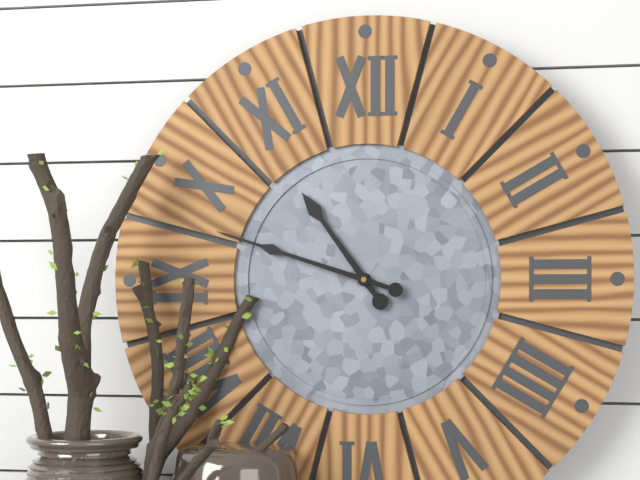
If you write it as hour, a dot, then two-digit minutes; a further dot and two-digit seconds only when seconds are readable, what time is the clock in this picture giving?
10.48
